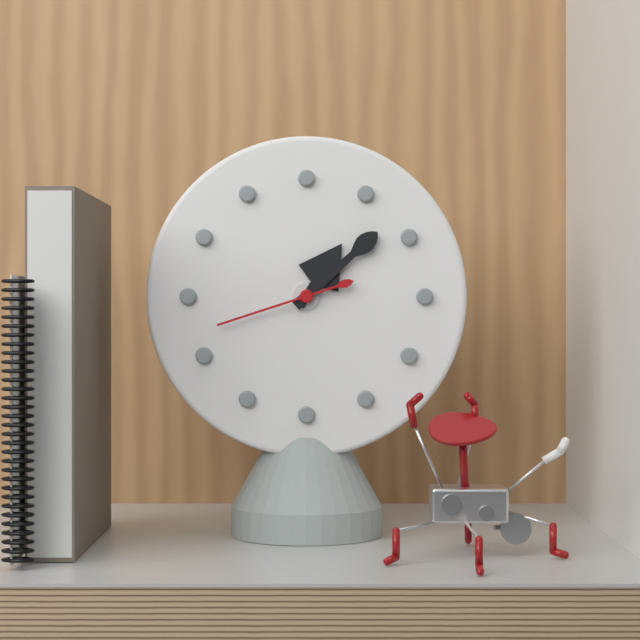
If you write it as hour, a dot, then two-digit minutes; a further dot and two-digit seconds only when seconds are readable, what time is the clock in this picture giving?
1.08.42
